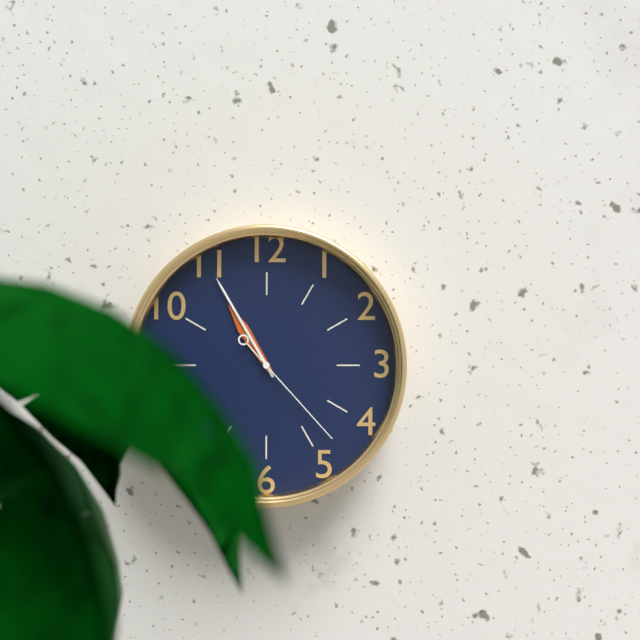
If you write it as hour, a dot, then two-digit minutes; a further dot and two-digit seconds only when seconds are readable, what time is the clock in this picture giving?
10.55.23
